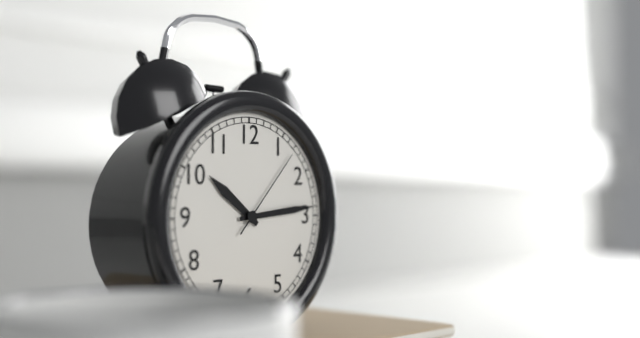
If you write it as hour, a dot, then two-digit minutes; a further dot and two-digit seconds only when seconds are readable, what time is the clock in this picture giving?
10.14.07
